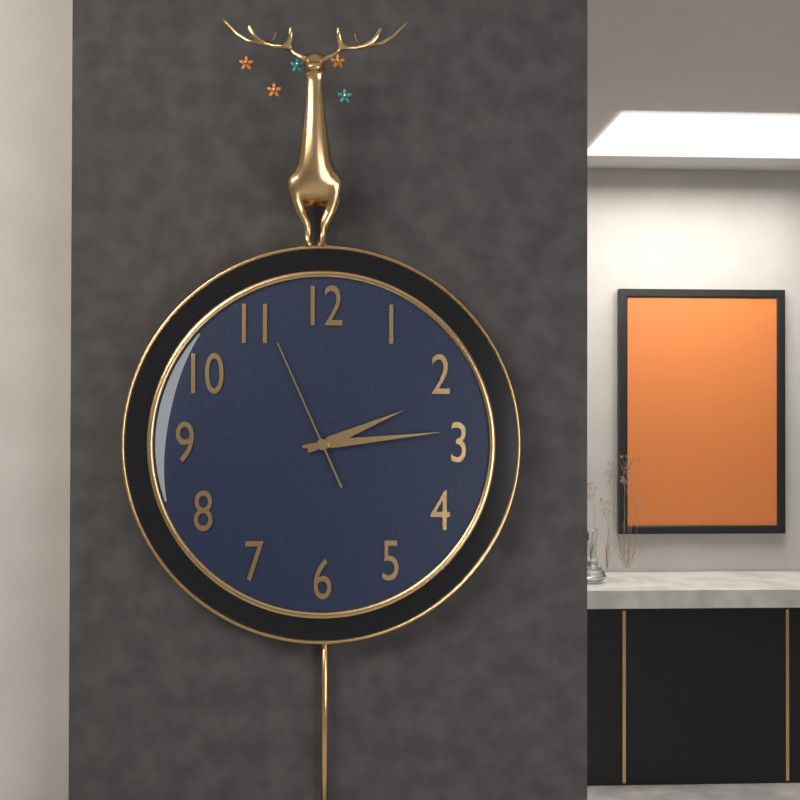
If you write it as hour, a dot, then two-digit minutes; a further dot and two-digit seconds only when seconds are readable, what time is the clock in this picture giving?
2.14.56
